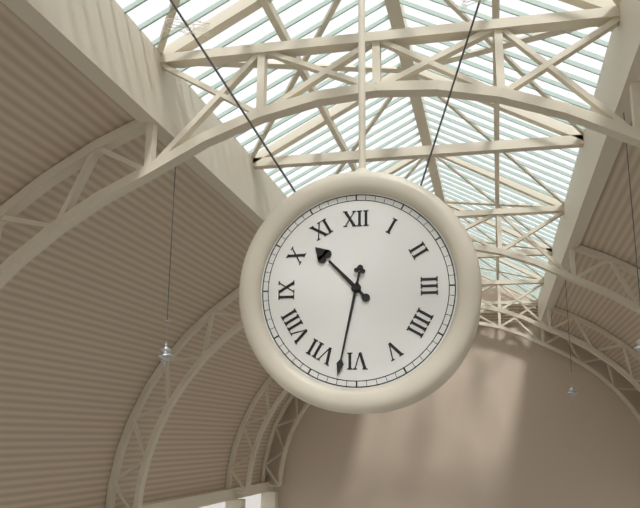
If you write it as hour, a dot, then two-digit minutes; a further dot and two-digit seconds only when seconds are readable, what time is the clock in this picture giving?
10.32
